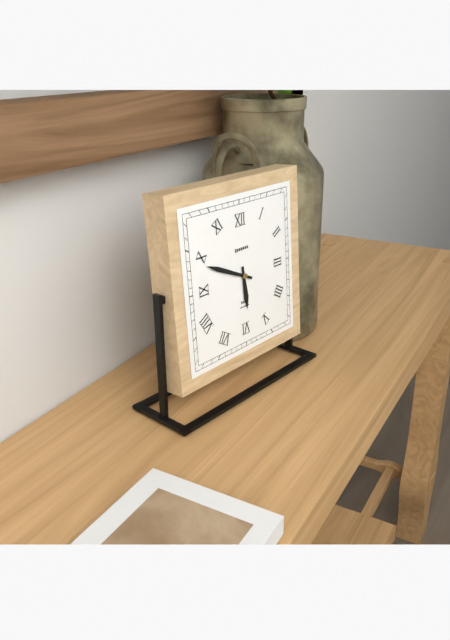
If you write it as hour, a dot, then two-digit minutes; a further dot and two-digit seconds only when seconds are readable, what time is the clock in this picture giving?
5.49
